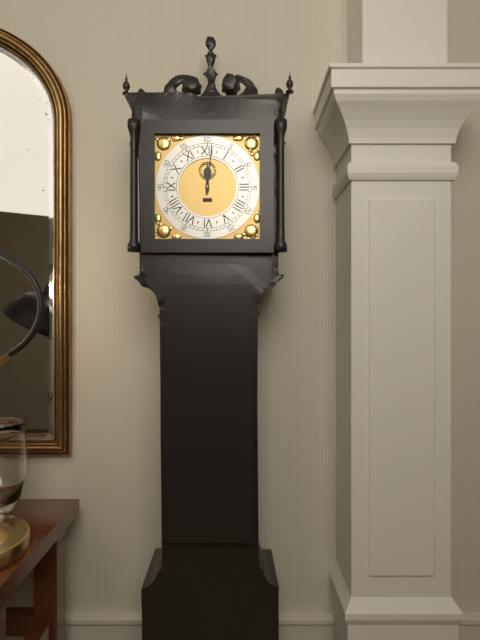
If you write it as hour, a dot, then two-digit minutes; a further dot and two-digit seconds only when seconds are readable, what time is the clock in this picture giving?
12.01
